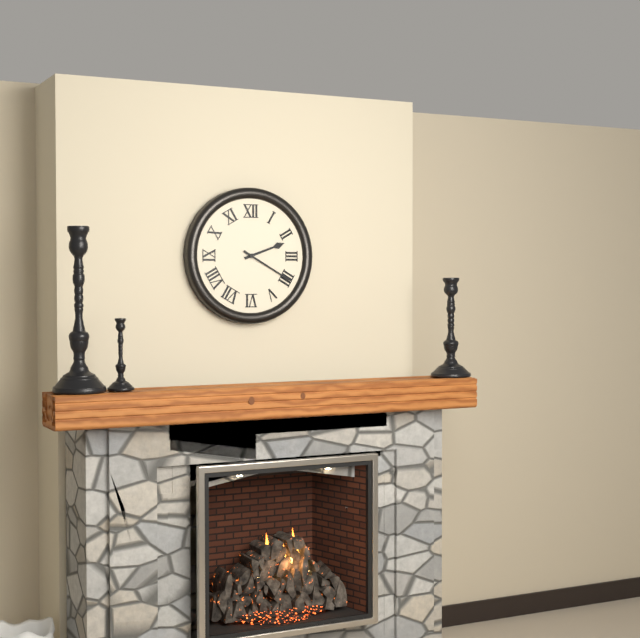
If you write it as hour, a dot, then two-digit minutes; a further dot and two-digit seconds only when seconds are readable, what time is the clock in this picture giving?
2.20
